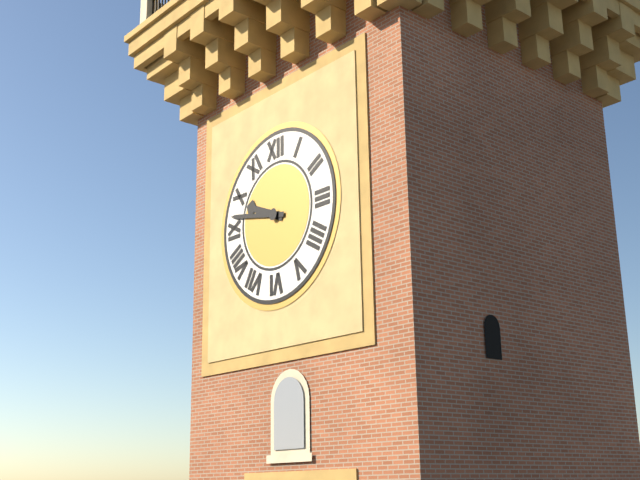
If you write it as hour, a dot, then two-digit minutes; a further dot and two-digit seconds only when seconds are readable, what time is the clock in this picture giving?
9.47
